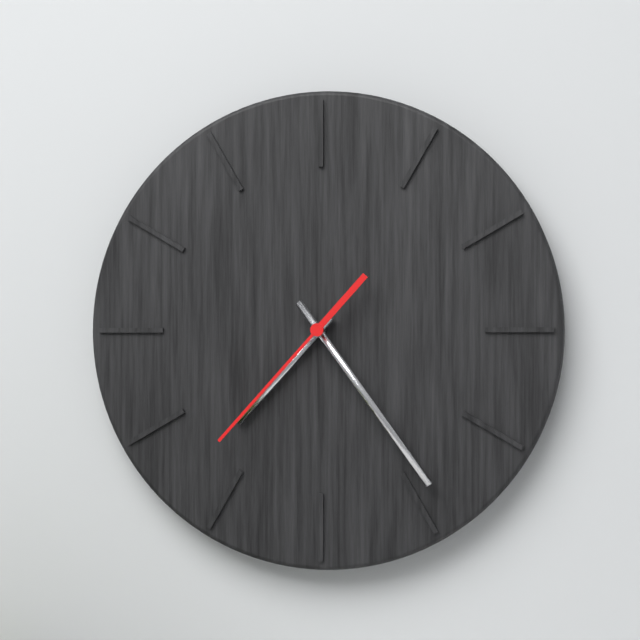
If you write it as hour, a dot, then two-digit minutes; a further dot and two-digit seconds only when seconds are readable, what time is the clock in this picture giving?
7.24.37
